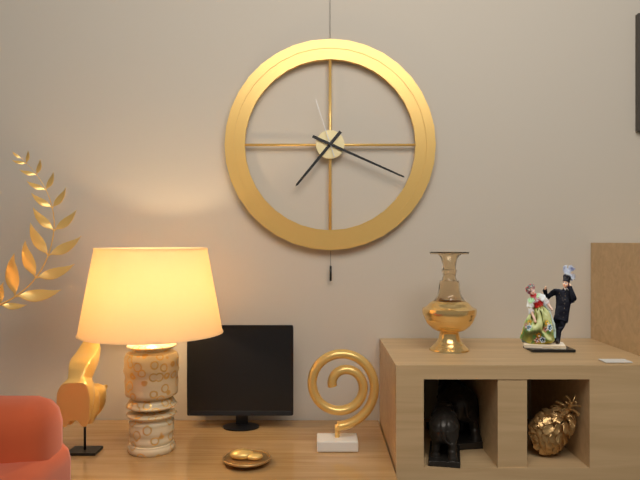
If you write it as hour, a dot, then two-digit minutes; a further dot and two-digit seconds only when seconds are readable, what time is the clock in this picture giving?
7.19.57
